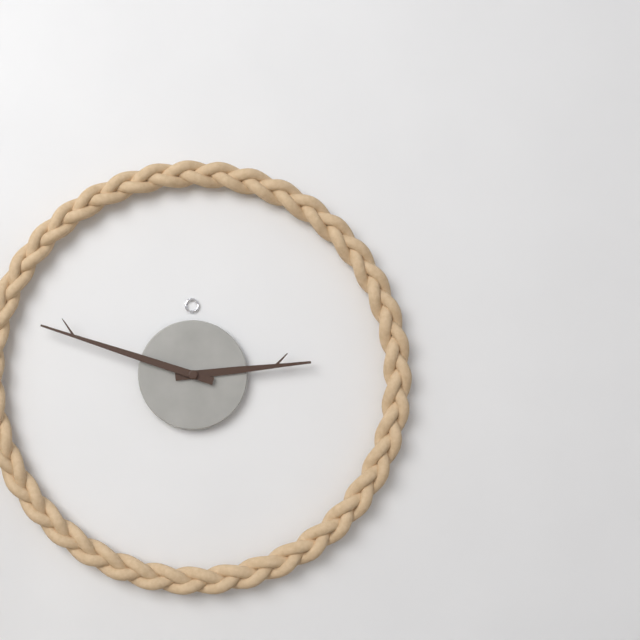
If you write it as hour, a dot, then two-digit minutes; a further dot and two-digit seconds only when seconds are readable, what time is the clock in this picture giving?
2.48
